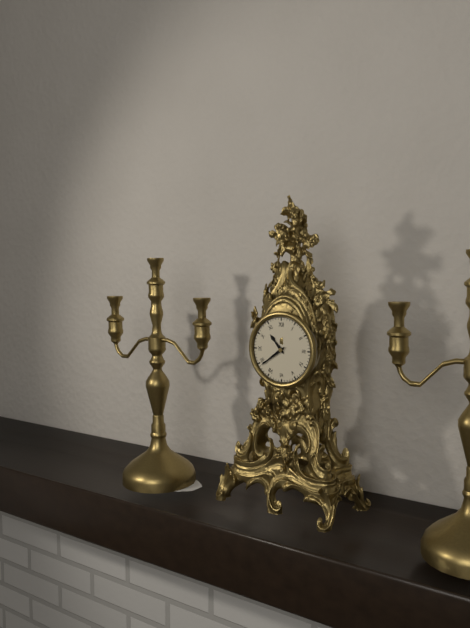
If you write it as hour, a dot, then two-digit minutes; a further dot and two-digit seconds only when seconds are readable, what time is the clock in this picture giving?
10.39
